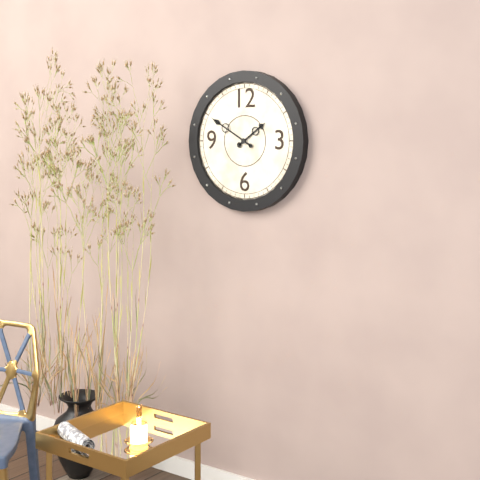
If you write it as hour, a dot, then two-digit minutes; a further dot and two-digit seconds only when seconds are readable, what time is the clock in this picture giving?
1.50
